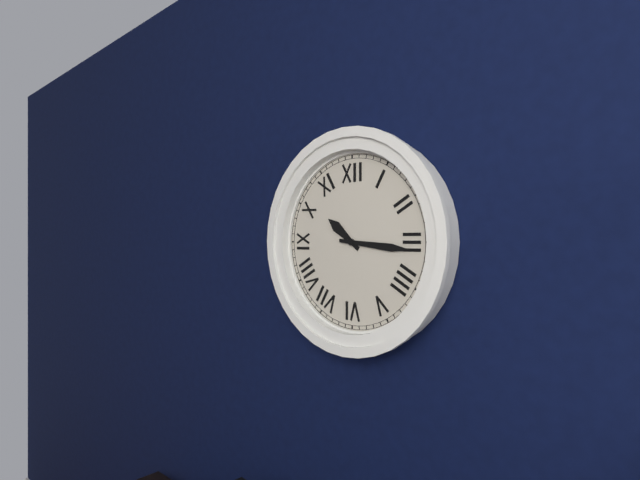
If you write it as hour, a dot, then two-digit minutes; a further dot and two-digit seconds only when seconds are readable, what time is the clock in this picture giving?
10.16
